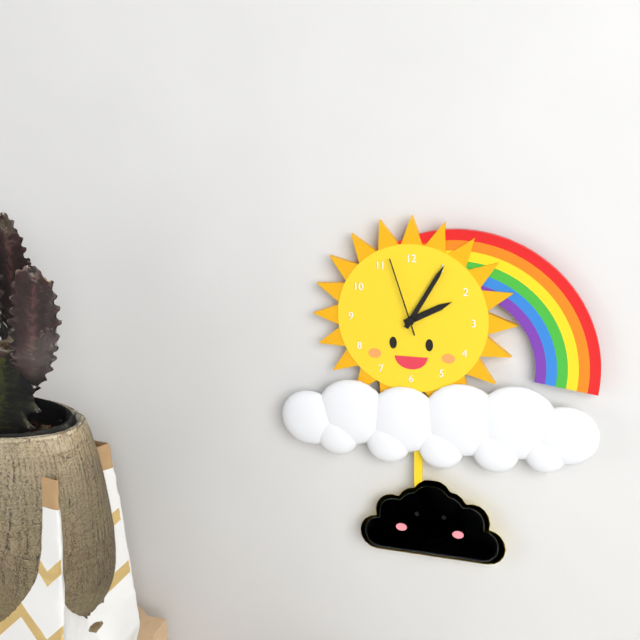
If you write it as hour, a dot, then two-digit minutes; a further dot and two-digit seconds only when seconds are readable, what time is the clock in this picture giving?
2.05.57
